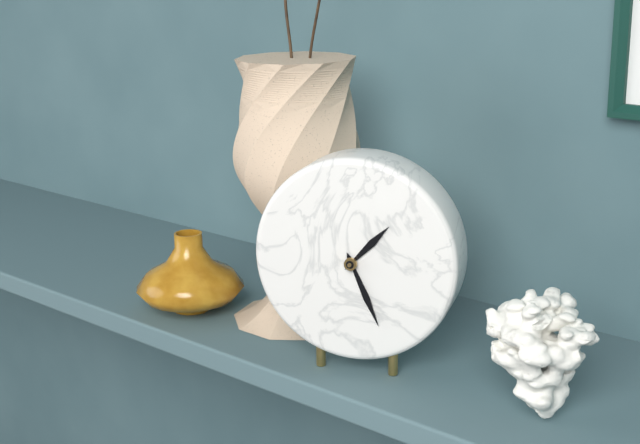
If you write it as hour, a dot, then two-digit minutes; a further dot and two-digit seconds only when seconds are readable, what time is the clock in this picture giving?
1.26
